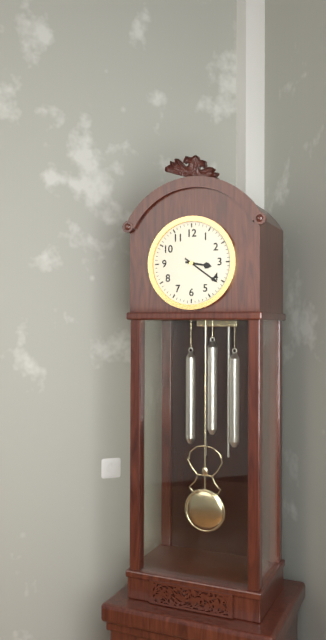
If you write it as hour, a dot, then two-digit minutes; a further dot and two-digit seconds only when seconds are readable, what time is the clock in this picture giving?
3.21
